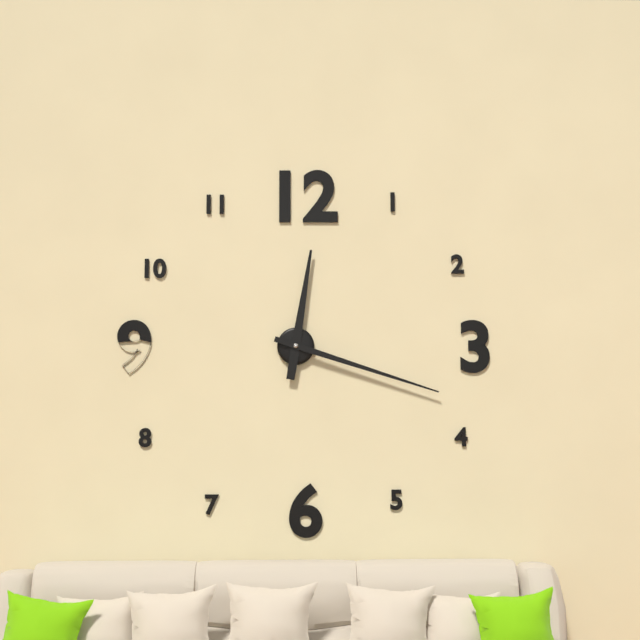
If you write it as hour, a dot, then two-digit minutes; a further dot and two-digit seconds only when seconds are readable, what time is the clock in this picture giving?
12.18
